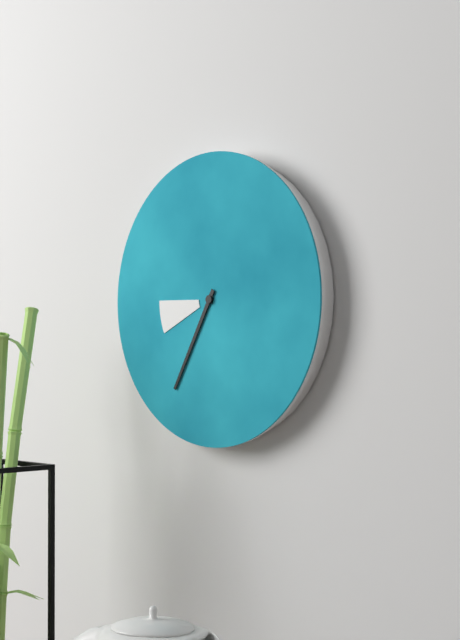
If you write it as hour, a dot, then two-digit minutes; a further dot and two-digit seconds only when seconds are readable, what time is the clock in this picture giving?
8.35
